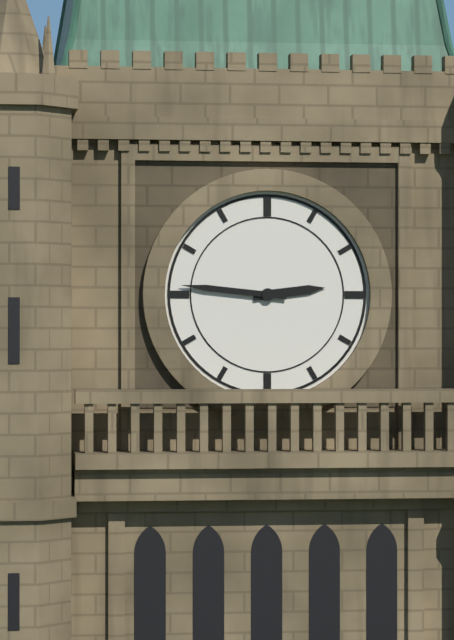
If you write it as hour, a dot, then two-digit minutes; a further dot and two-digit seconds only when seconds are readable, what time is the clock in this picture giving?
2.46
